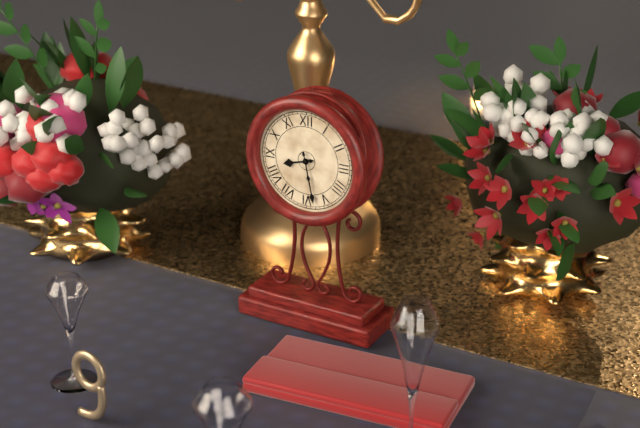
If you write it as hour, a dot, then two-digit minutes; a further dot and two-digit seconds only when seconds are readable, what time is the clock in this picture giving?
8.28
